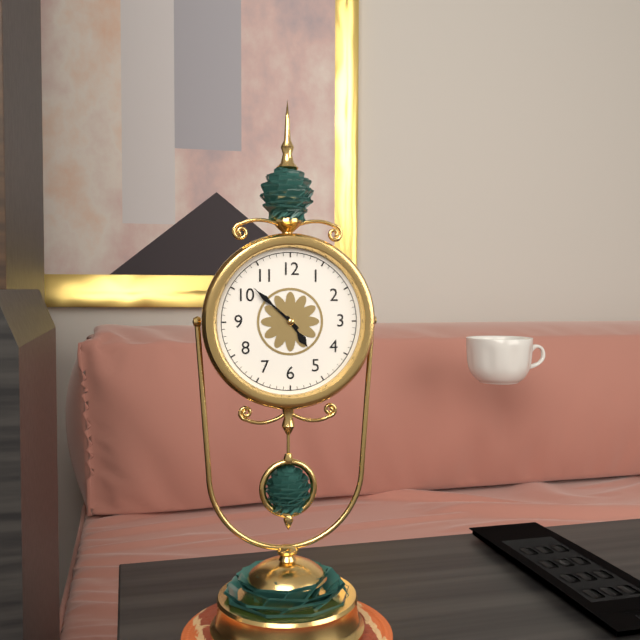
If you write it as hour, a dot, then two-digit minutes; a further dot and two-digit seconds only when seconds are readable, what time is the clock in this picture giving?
4.52
